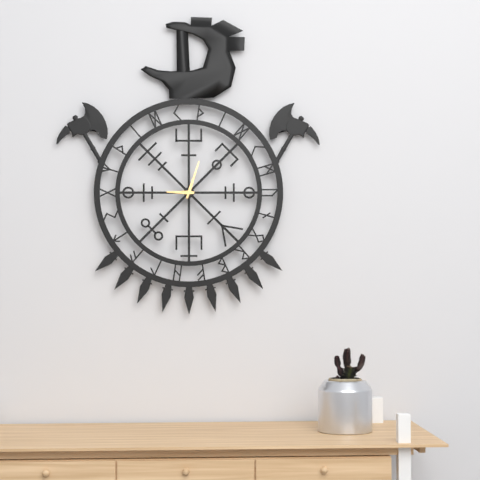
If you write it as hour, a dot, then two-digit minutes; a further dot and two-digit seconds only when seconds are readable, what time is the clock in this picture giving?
9.03
